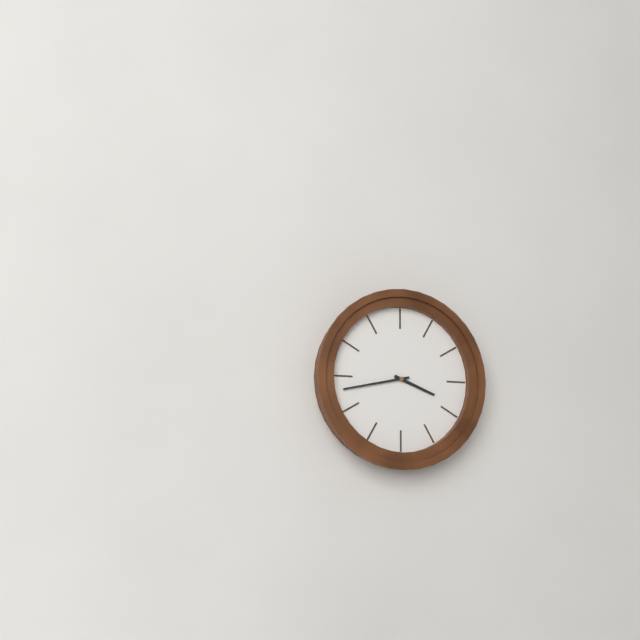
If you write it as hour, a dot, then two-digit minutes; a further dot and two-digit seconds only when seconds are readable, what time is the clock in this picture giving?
3.43
